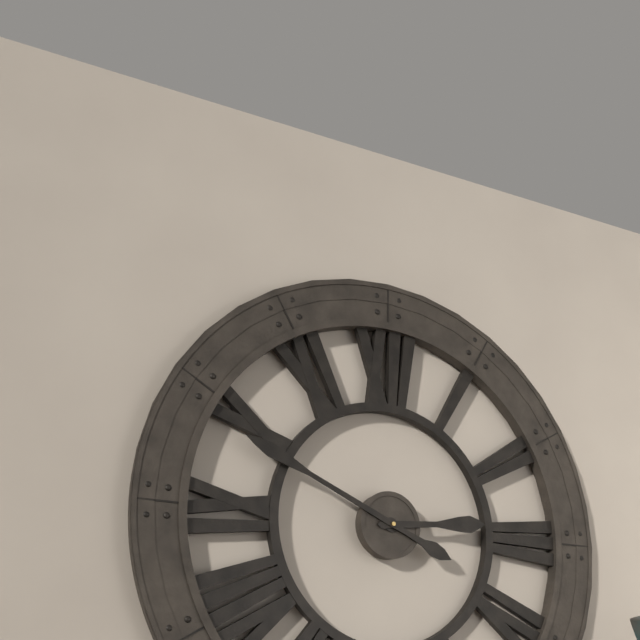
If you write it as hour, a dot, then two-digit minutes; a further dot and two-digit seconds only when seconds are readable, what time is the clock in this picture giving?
2.49
